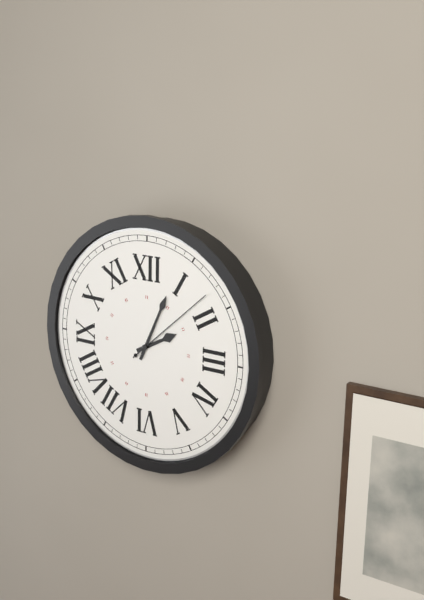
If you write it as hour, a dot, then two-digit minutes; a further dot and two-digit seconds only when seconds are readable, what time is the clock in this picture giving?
2.04.08
